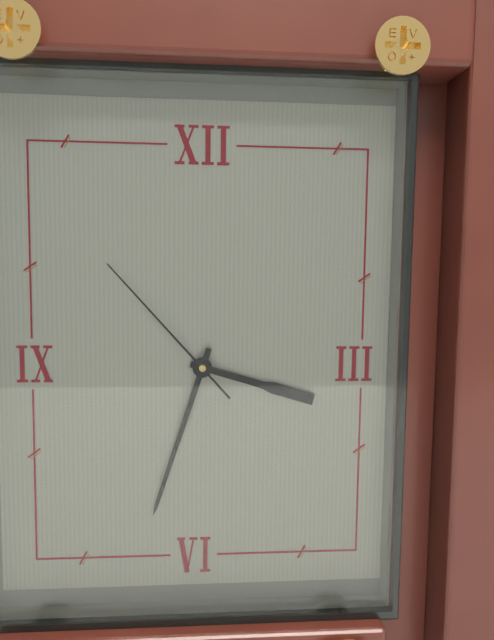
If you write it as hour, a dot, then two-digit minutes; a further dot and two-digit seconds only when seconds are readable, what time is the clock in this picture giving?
3.33.53
